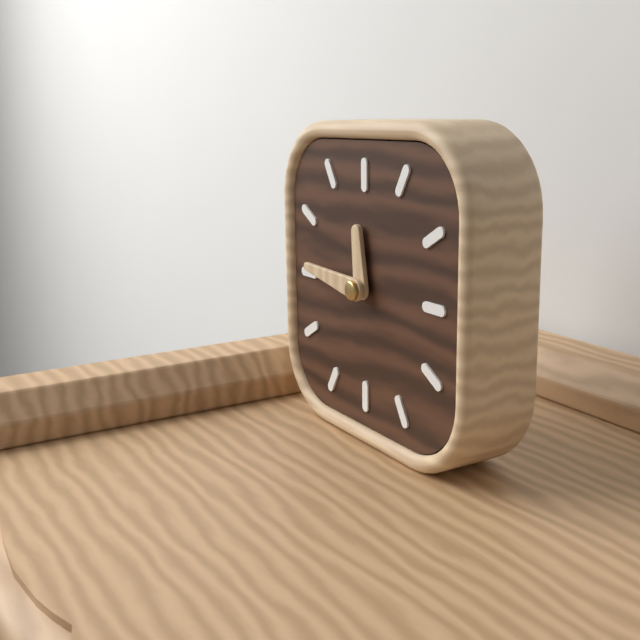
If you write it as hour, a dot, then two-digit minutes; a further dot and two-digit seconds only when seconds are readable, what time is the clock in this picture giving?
11.46
